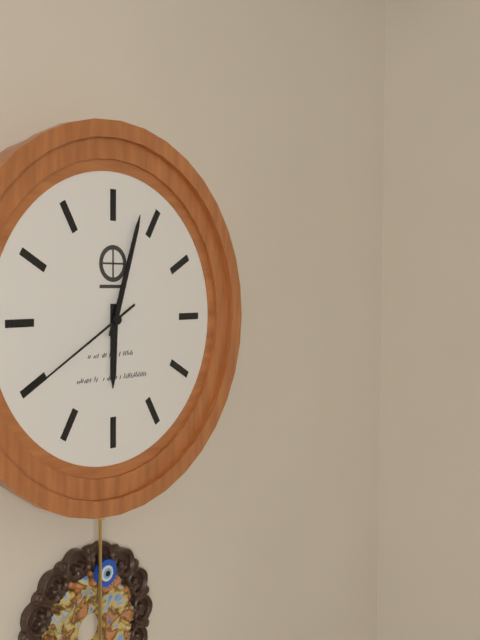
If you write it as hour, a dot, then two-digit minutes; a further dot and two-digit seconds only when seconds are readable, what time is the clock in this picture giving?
6.03.40
